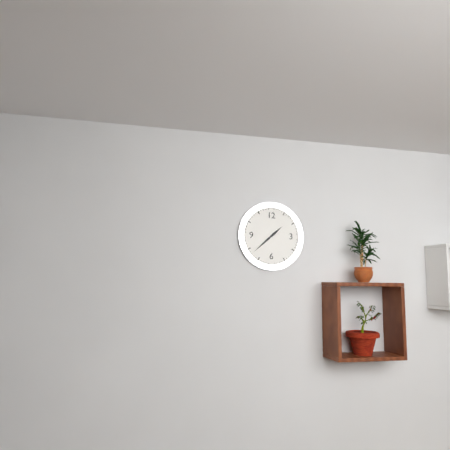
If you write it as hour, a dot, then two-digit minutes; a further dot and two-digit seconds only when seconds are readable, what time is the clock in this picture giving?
1.38
